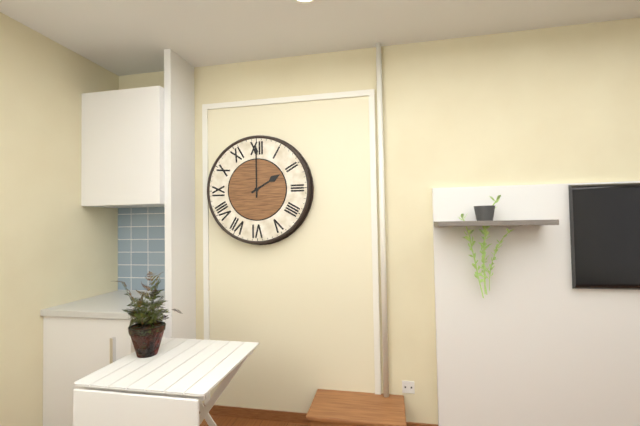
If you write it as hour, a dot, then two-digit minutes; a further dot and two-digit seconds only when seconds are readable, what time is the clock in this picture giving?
2.00
